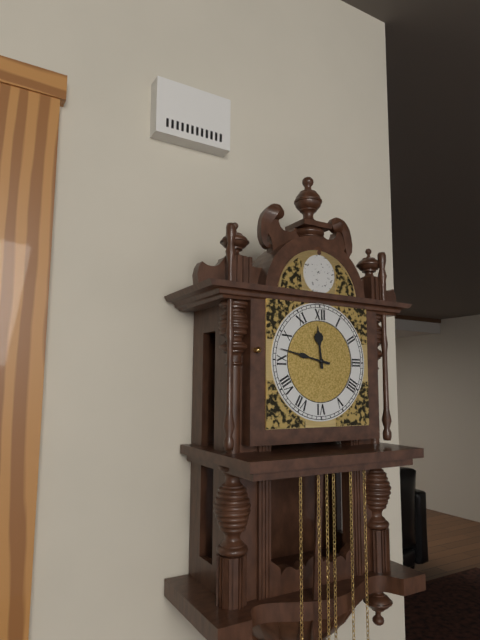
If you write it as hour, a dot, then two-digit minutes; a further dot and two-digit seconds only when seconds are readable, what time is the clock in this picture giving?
11.47
